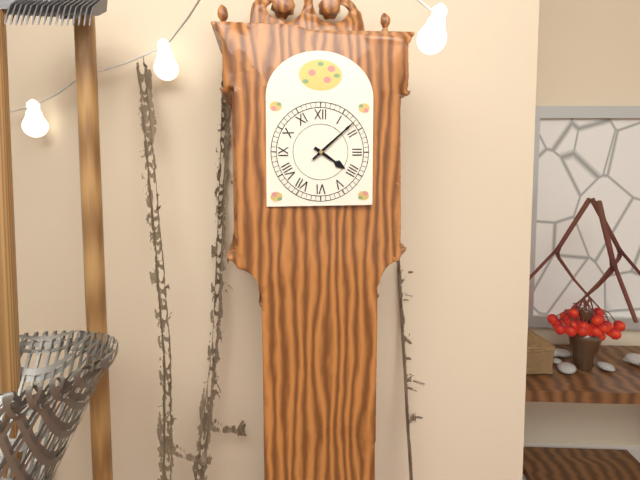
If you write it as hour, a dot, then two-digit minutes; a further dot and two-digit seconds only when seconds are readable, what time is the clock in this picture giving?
4.08
